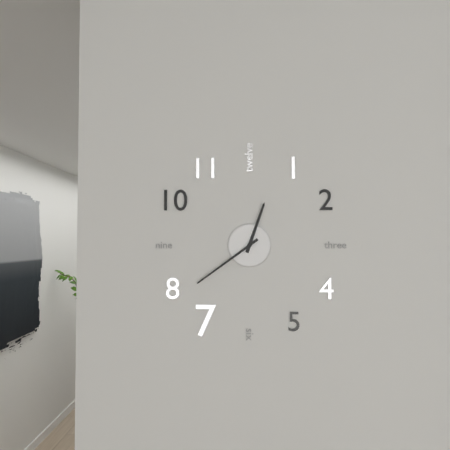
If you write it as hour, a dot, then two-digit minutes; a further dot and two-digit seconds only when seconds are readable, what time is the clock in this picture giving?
12.39
